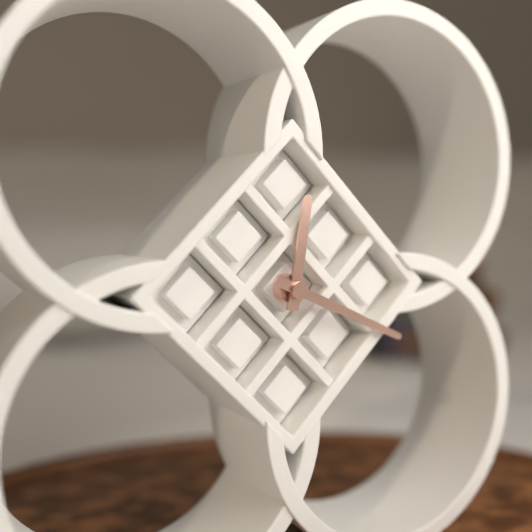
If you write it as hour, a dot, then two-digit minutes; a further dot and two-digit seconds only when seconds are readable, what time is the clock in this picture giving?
12.19
